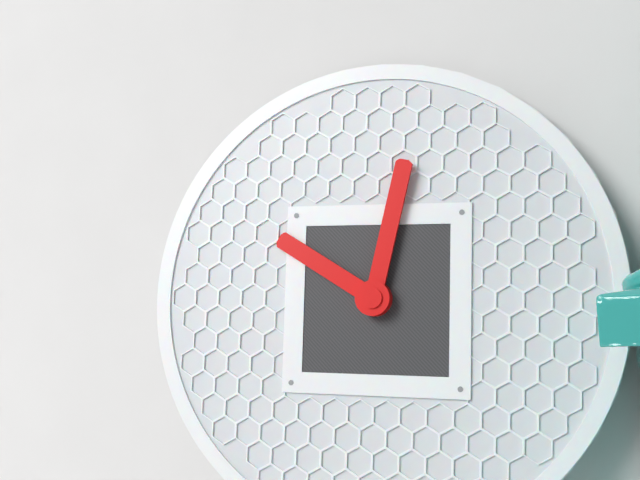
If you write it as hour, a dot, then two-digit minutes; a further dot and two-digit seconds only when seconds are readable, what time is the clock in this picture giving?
10.02
